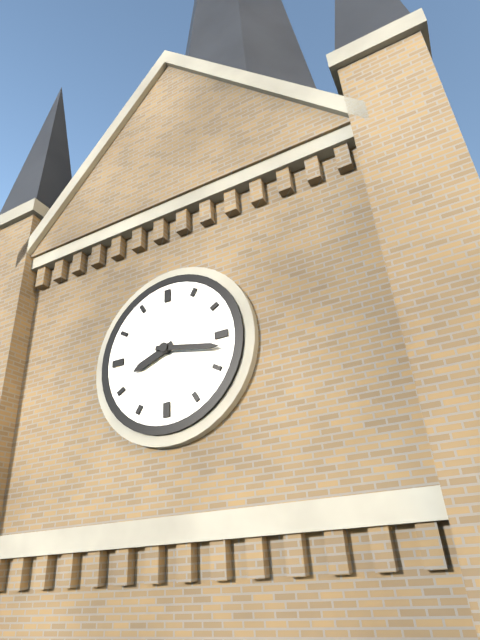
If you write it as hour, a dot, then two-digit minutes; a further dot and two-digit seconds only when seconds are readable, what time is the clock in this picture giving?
8.17
